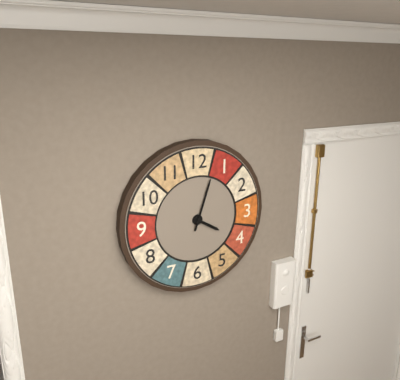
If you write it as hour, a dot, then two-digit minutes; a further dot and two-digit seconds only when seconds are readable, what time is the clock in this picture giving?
4.03
